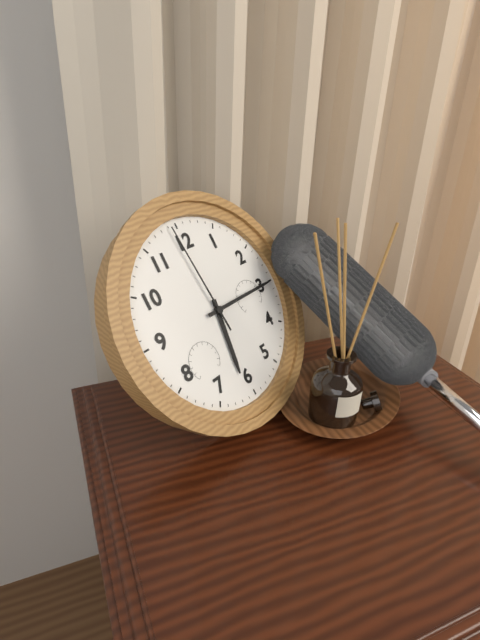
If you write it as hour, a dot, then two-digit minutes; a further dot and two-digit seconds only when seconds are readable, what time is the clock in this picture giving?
6.15.59
